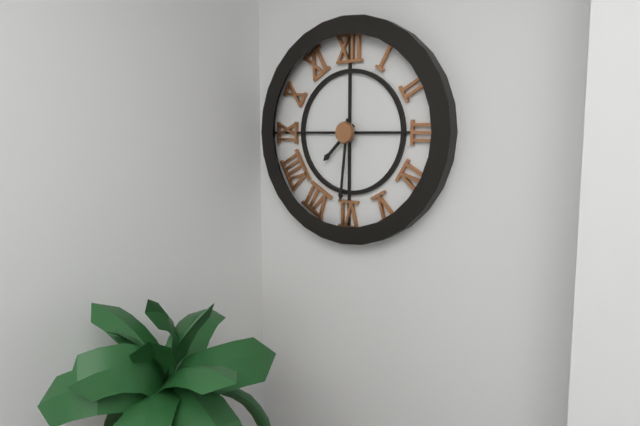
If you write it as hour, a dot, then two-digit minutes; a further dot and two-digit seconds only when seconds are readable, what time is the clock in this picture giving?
7.31
